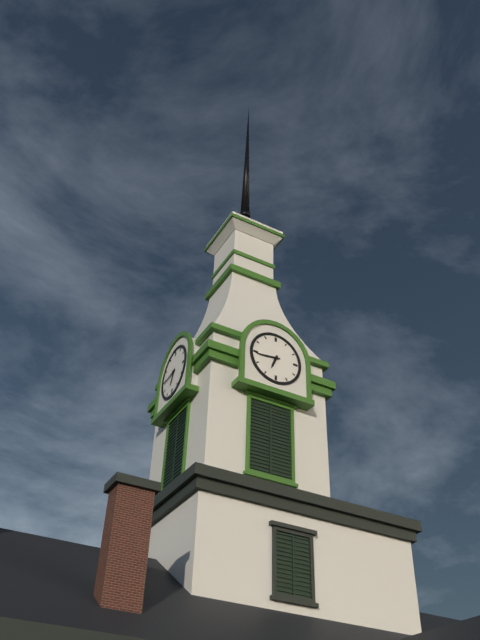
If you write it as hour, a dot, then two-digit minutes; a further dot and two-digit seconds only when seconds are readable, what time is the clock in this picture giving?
6.44
